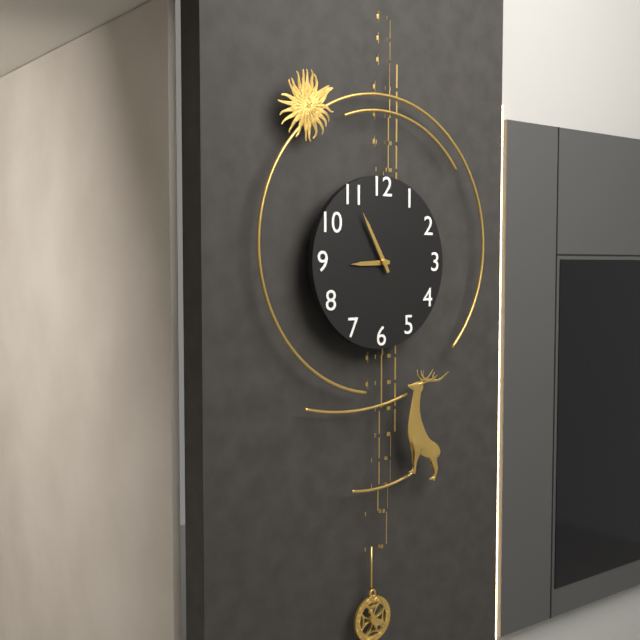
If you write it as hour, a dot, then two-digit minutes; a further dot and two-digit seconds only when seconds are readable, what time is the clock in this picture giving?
8.55
